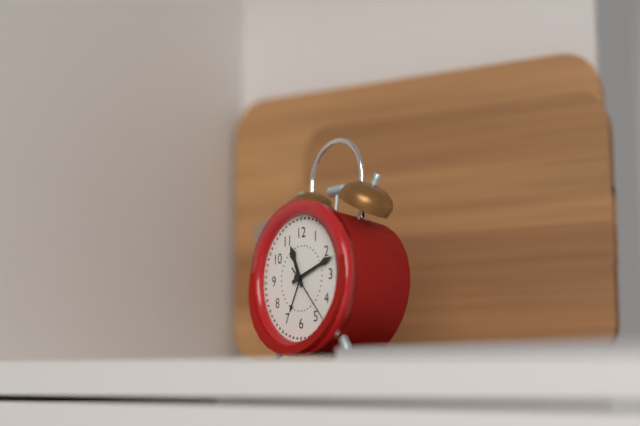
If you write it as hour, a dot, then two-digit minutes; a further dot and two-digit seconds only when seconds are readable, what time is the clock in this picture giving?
11.12.23
